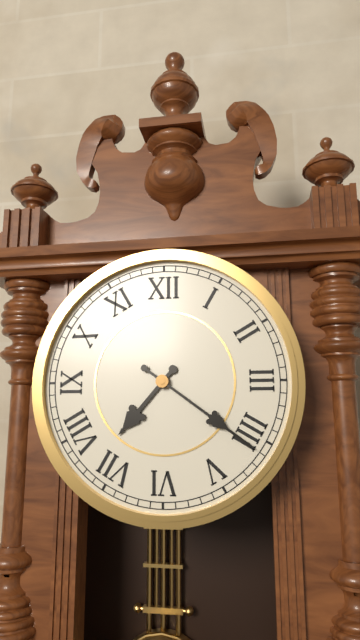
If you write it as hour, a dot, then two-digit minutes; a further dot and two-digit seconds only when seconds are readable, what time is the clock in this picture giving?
7.21
